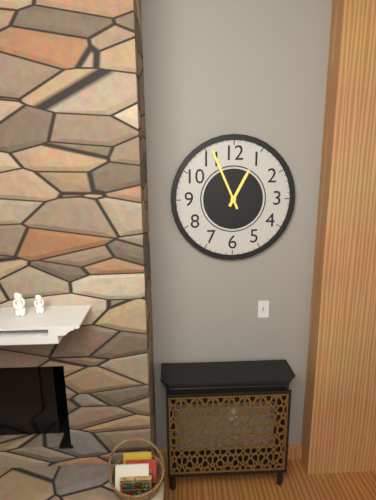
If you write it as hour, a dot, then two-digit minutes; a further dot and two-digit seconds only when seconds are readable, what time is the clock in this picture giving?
12.56
